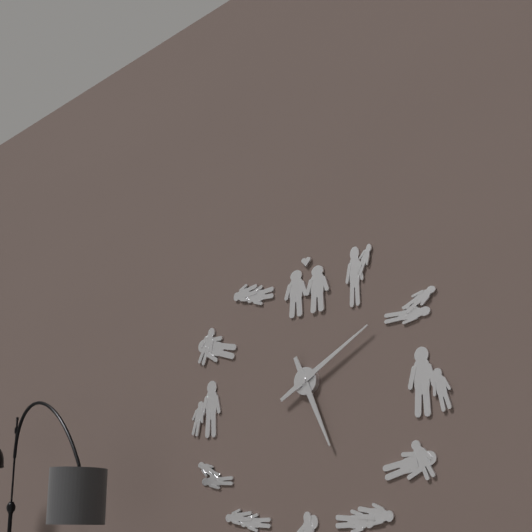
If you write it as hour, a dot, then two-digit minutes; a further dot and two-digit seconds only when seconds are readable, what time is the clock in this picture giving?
5.10
